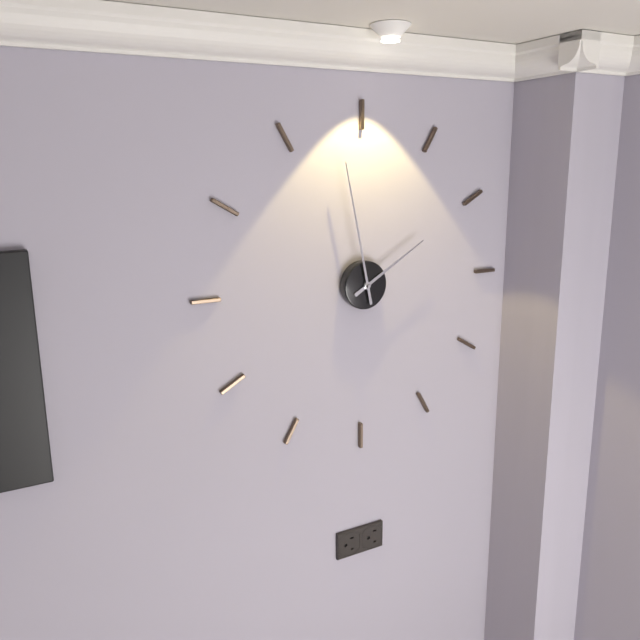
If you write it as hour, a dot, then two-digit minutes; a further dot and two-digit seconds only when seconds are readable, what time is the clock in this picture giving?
1.58
